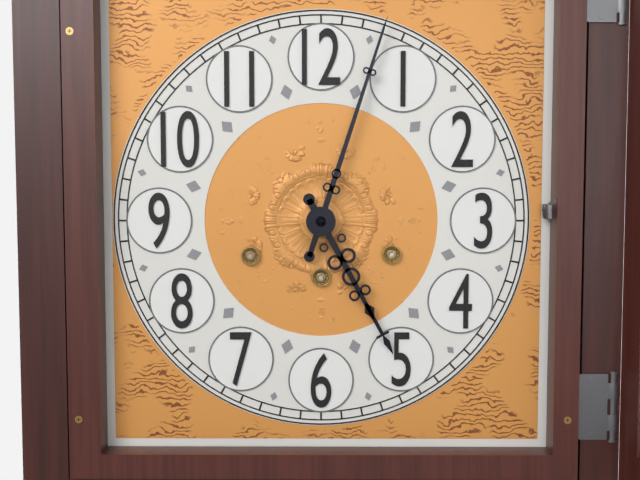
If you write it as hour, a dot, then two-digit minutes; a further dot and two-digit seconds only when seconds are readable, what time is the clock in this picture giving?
5.03
